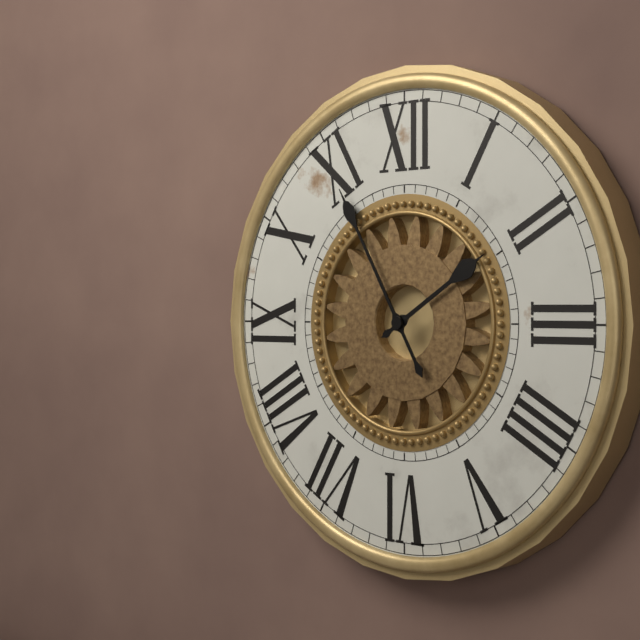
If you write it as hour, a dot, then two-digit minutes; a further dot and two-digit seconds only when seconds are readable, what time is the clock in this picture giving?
1.55
